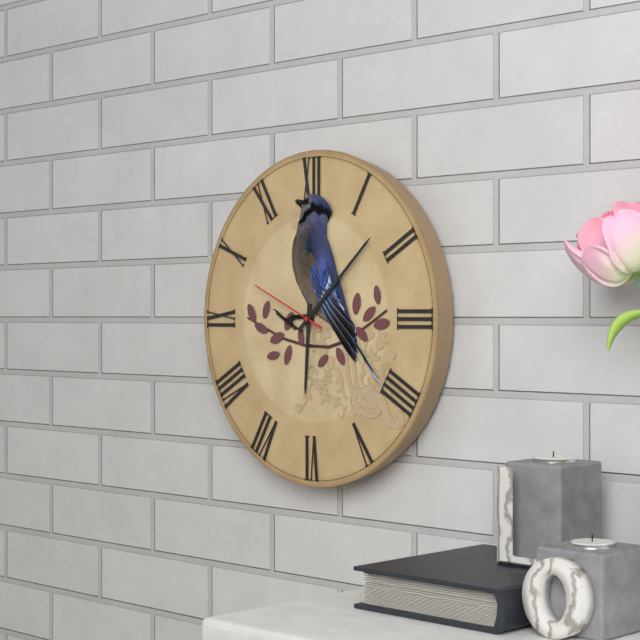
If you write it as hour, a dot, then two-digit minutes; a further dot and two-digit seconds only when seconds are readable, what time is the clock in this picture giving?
6.08.49
